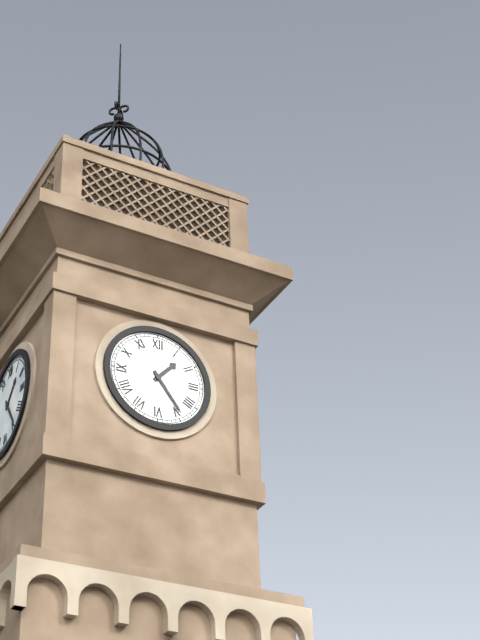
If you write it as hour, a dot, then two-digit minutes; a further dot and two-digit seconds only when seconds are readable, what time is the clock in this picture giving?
1.24
